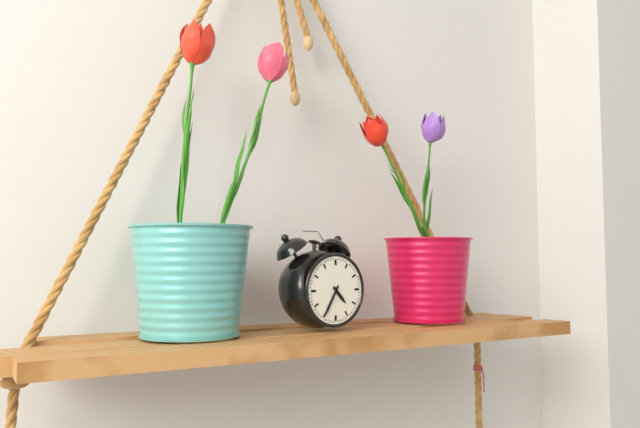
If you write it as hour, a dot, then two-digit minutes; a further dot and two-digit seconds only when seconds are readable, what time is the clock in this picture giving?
4.35
